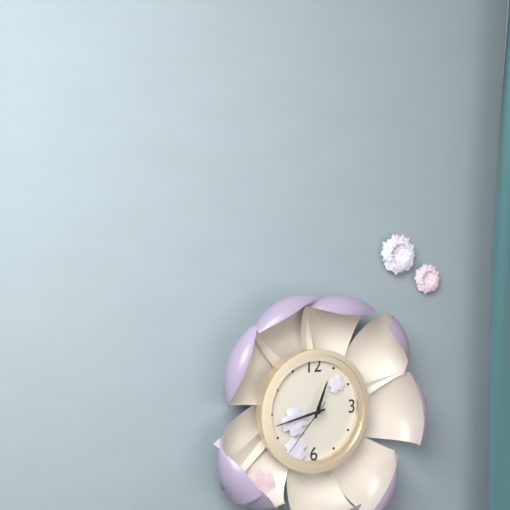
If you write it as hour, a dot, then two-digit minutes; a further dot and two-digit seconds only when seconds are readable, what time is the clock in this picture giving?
12.43.37
